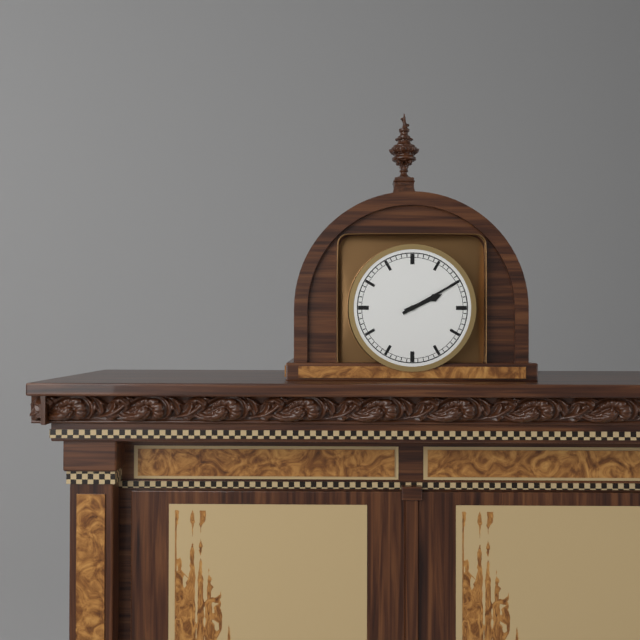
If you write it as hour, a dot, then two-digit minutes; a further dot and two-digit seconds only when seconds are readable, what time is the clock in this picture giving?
2.10
